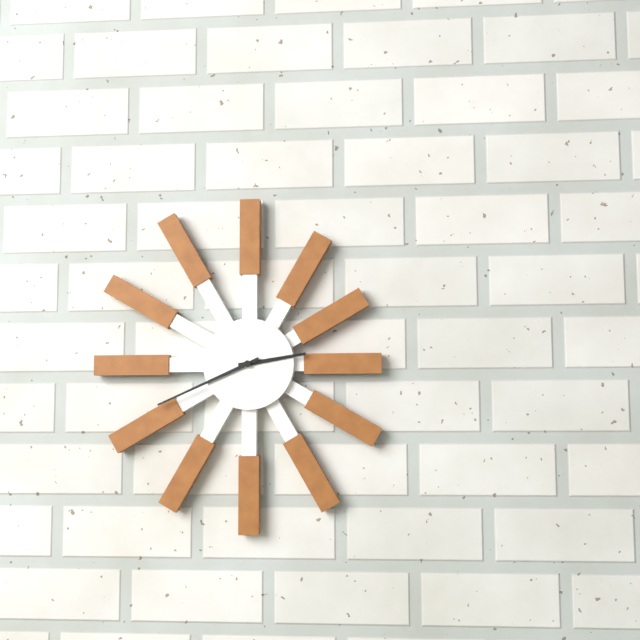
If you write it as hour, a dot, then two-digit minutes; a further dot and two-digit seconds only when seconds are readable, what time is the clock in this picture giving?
2.41
